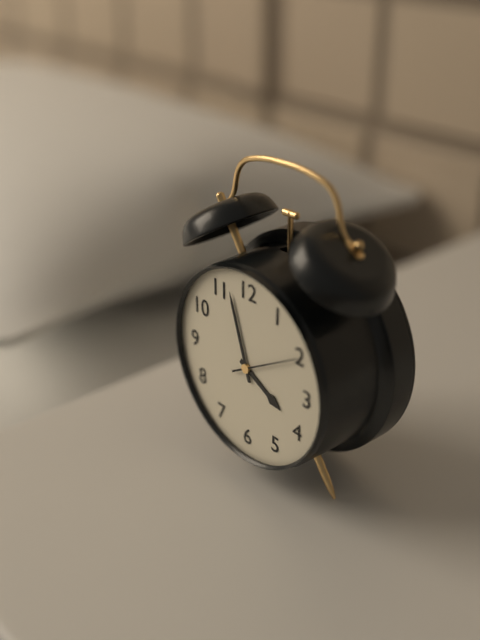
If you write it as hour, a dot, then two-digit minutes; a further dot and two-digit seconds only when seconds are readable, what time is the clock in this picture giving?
3.57.10
